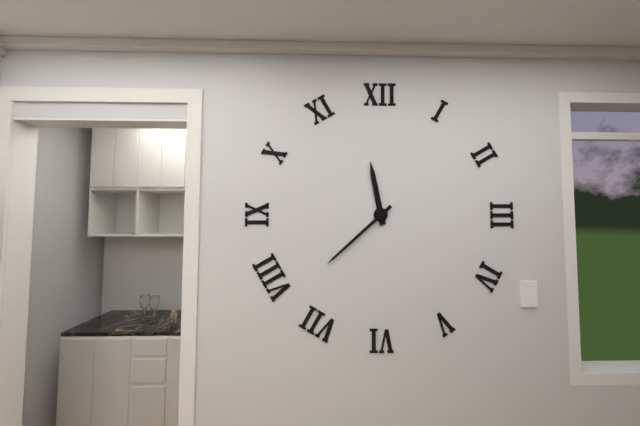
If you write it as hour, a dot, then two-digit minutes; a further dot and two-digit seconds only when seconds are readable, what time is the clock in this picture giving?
11.38
